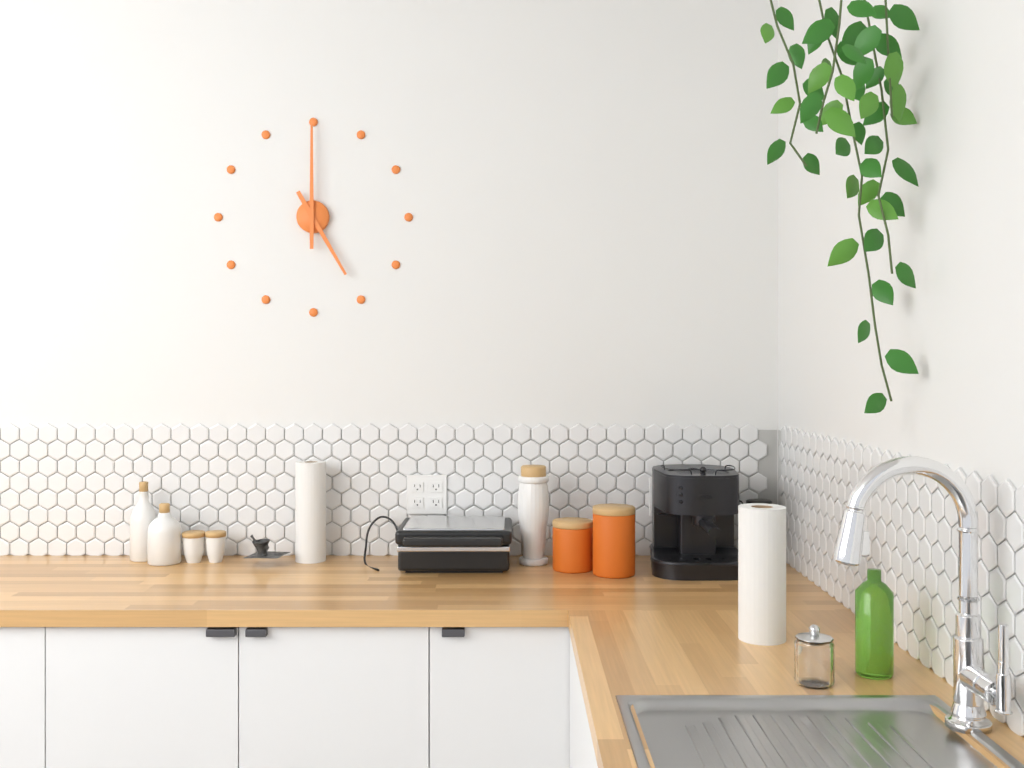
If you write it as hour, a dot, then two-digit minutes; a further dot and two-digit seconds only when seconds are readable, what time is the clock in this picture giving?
5.00
